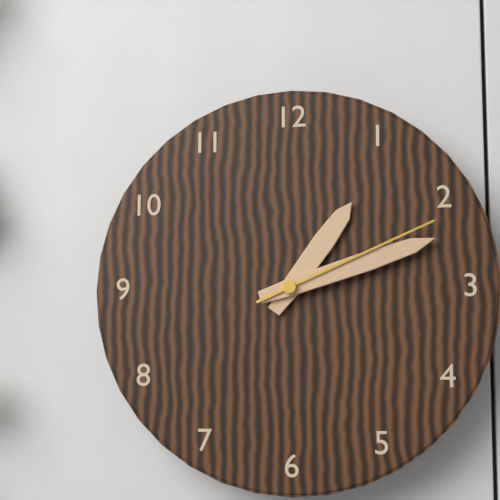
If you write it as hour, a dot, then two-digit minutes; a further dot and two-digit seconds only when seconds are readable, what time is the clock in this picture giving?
1.12.11
